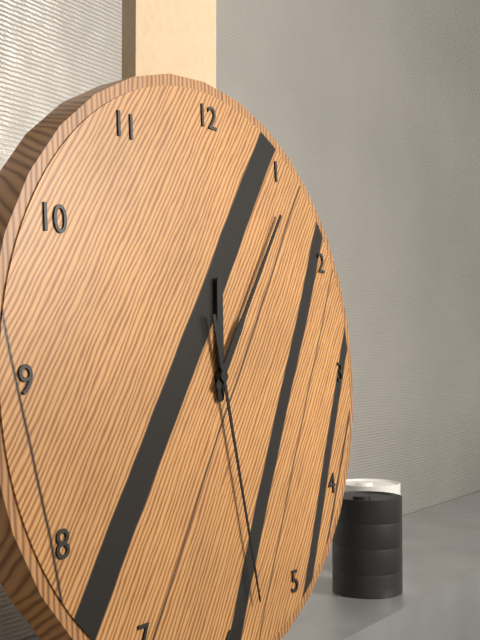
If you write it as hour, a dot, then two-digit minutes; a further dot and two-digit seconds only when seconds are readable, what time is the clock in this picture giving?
12.06.28
